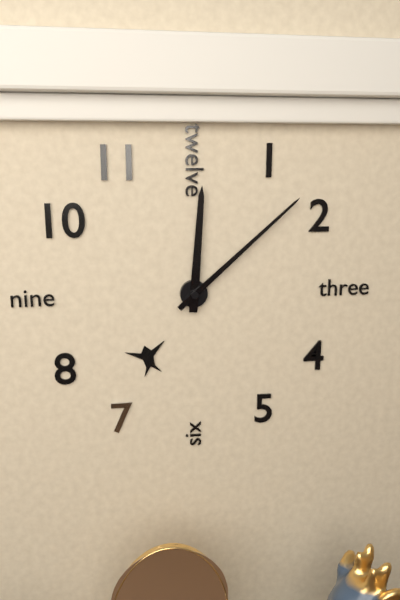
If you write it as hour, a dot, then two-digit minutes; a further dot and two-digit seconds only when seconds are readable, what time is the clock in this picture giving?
12.08
